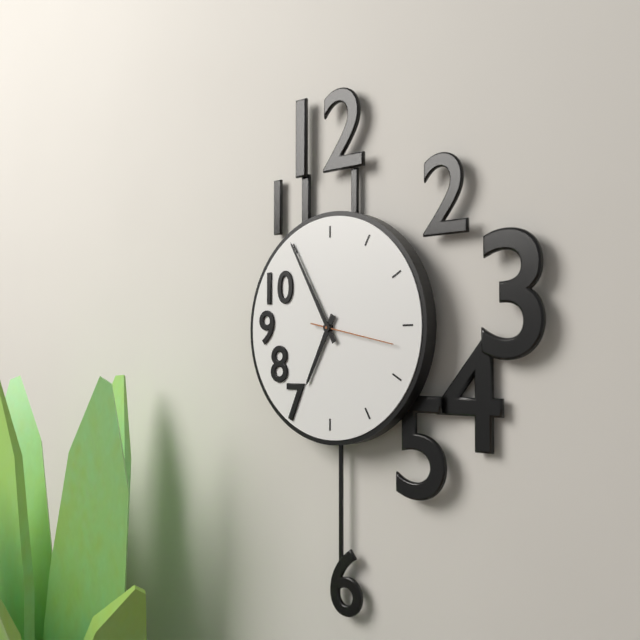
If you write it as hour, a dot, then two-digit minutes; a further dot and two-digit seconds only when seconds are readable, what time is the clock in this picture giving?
6.55.17
